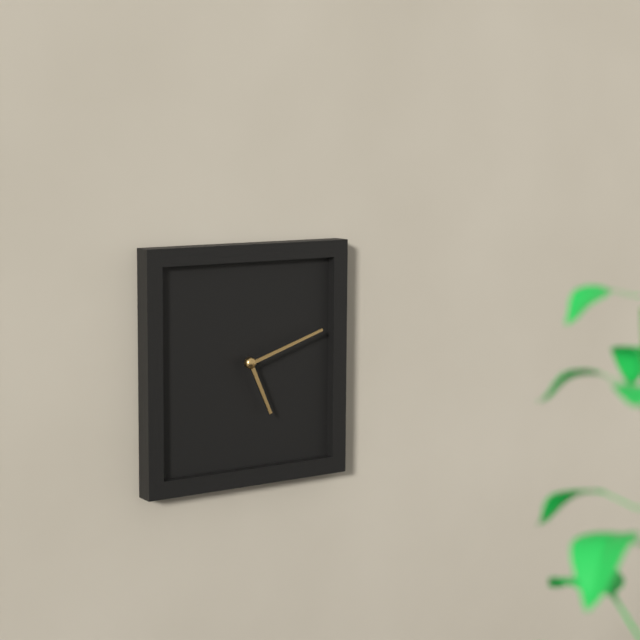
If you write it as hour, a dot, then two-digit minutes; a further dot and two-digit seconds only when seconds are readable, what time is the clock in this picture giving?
5.12
